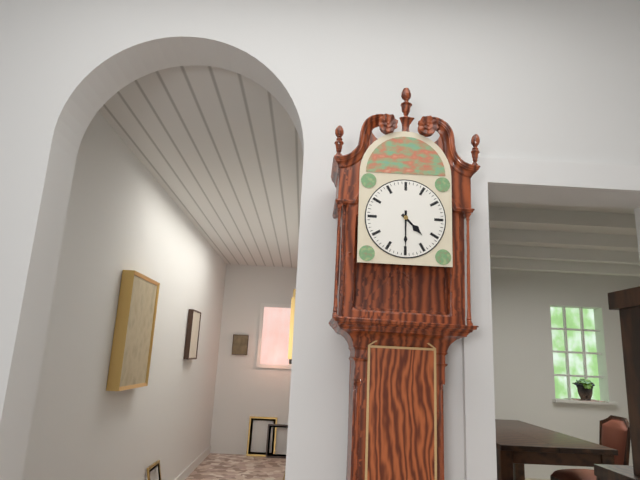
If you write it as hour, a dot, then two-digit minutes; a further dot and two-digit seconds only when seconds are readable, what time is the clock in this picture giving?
4.30
